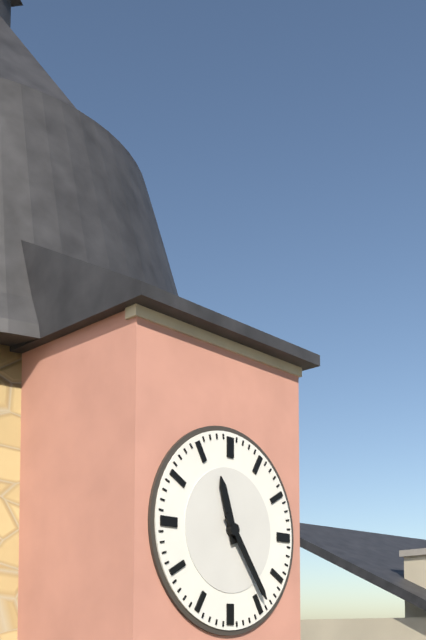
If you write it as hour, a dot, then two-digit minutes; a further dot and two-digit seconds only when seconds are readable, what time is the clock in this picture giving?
11.24
